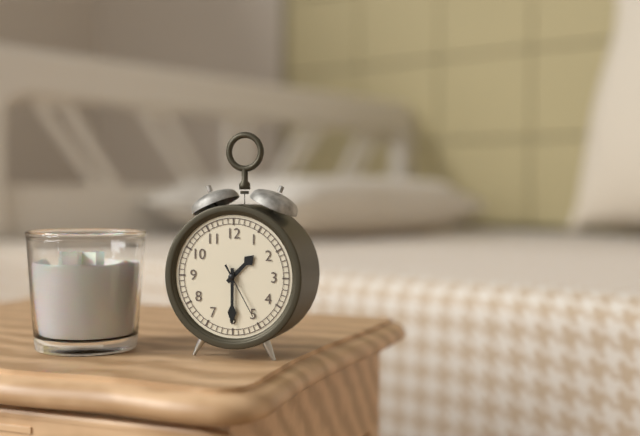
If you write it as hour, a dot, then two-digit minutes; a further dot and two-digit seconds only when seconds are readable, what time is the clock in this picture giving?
1.30.25
